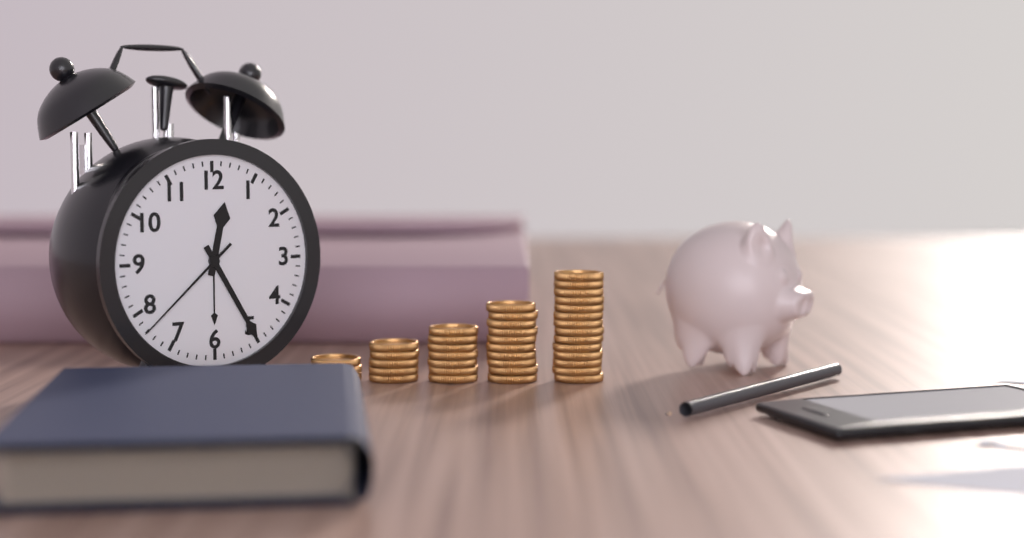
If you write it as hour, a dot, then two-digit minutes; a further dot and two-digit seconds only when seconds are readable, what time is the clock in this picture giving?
12.25.38
